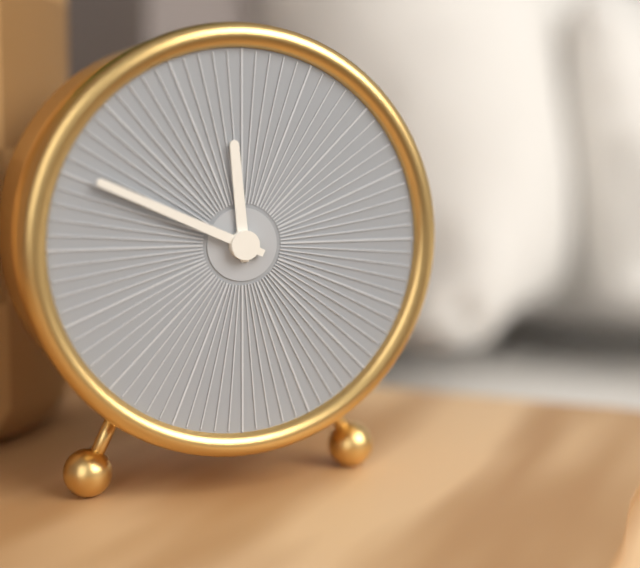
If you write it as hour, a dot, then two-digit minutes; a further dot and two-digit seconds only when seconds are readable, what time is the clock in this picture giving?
11.49
